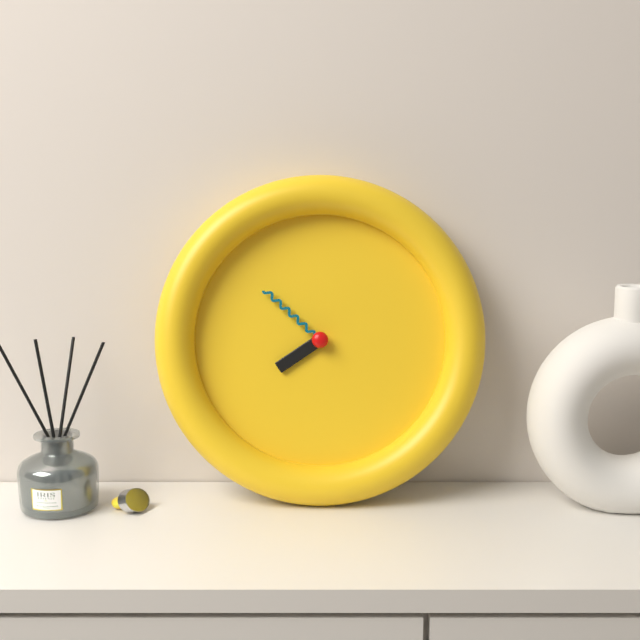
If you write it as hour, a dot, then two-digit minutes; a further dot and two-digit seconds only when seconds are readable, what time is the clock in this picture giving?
7.52
